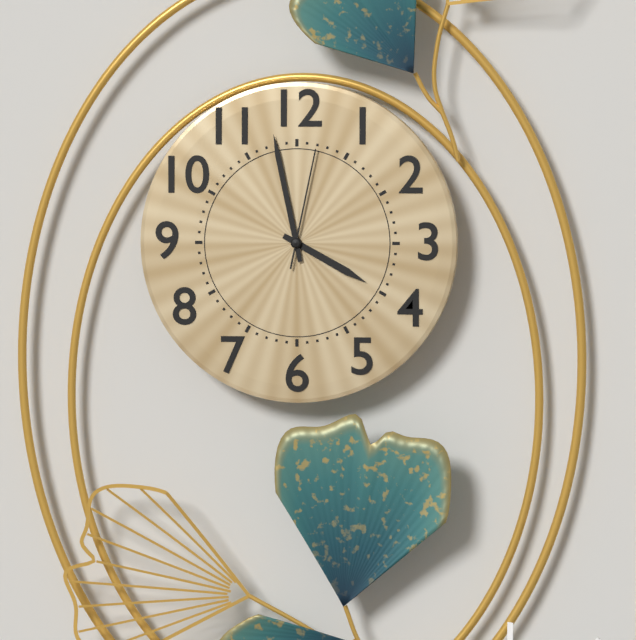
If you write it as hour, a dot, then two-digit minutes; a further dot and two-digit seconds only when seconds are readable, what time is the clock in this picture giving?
3.58.02
